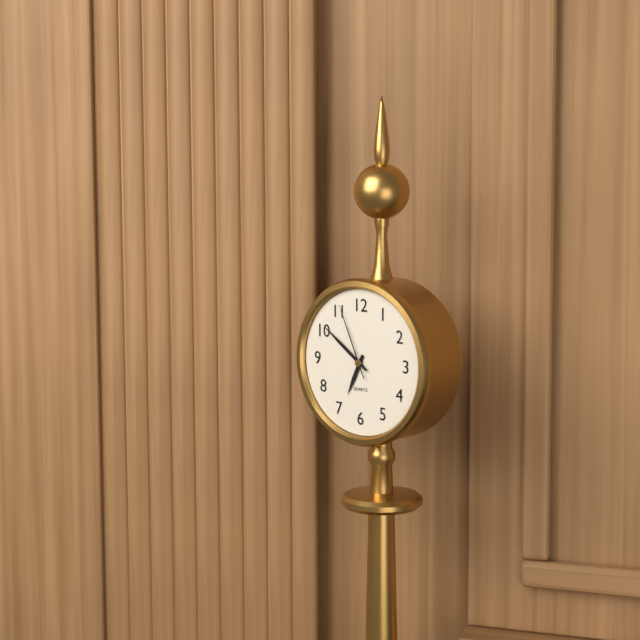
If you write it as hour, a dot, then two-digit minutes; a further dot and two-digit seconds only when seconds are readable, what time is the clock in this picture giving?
6.51.56
